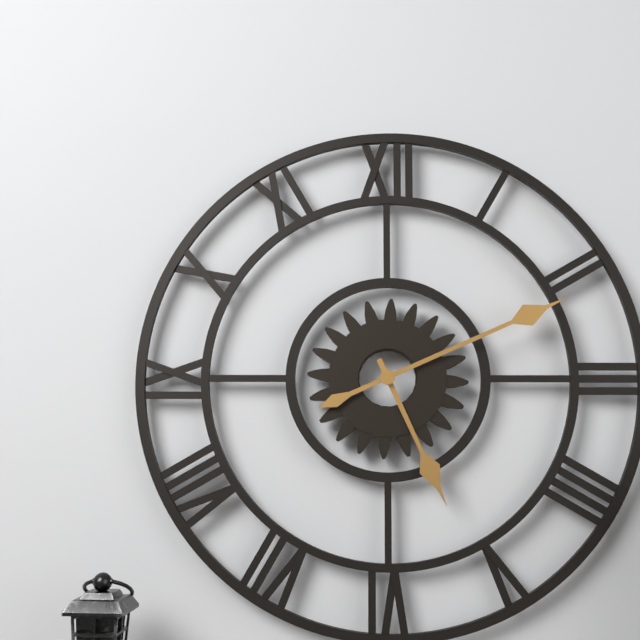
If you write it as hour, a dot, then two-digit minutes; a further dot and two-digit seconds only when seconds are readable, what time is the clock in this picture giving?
5.11
